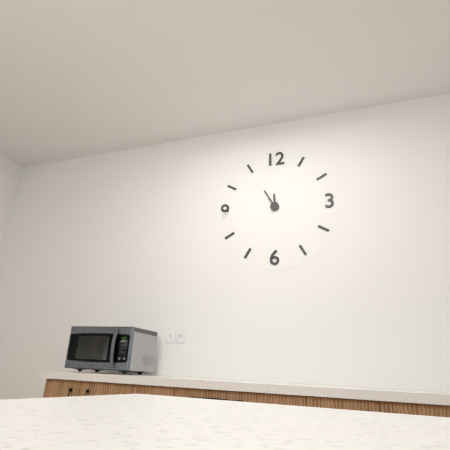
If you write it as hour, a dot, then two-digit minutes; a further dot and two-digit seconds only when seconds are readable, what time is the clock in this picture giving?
11.55
